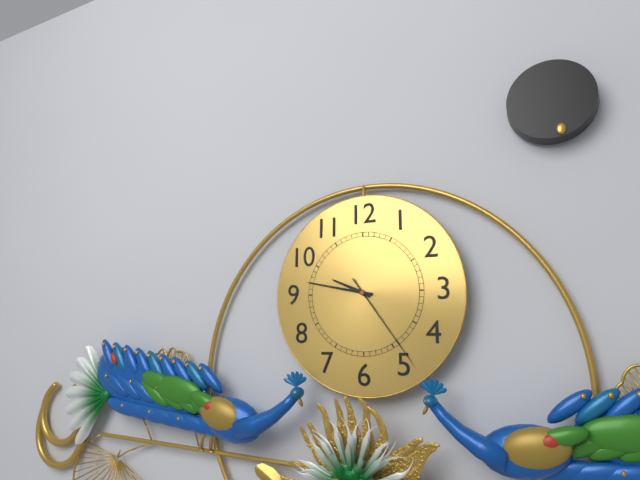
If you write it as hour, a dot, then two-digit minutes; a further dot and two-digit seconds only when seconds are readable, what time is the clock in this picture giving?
9.47.24
